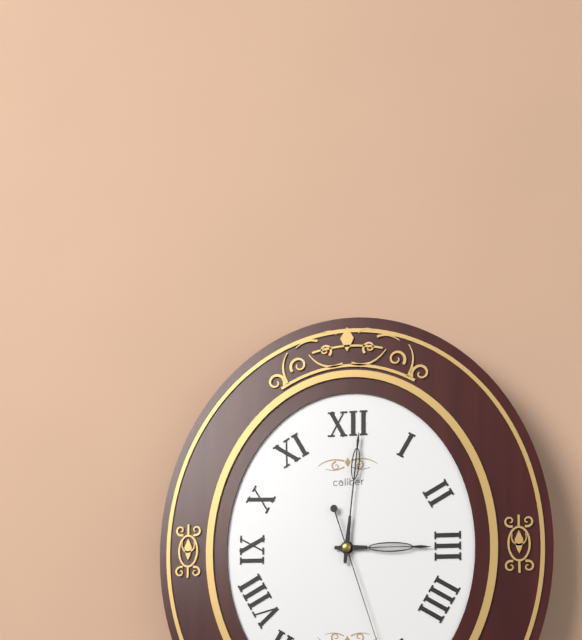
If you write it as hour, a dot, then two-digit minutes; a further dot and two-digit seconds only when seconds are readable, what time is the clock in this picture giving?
3.01
